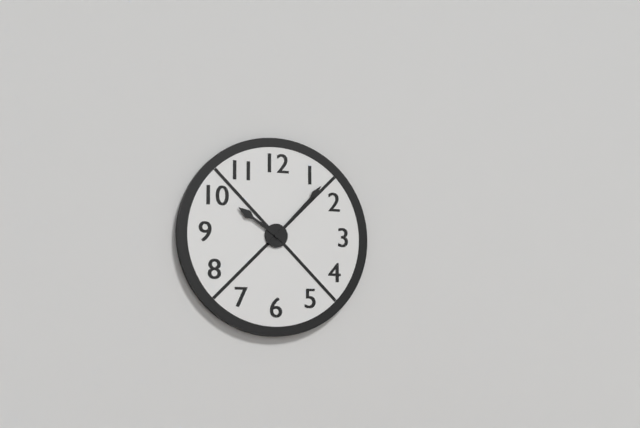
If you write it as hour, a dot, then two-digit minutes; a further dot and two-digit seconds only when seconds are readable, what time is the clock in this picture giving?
10.07
